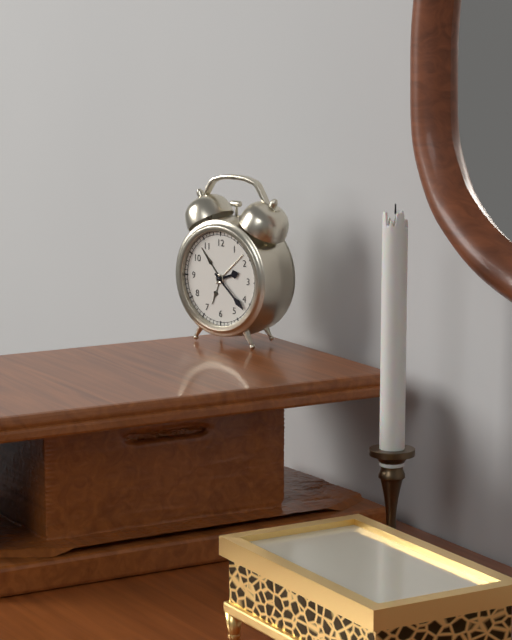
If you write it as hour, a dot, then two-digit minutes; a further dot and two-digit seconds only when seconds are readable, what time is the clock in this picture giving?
2.22
